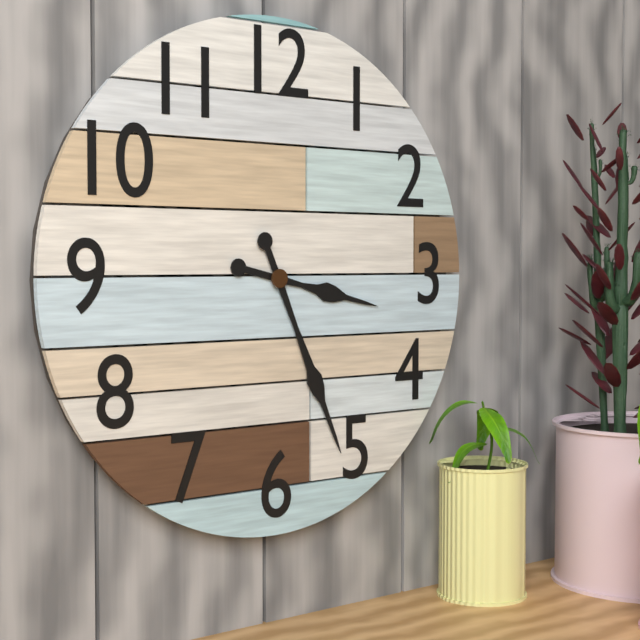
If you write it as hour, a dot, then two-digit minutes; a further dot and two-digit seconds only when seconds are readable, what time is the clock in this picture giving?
3.26
